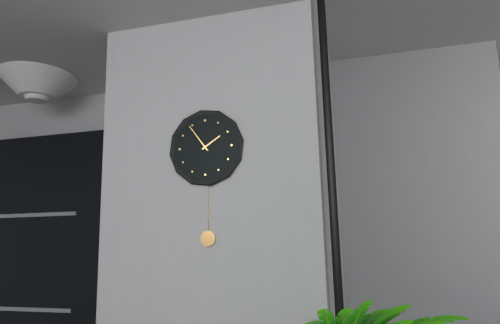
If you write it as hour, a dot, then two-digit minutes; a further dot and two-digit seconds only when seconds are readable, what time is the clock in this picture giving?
1.54
